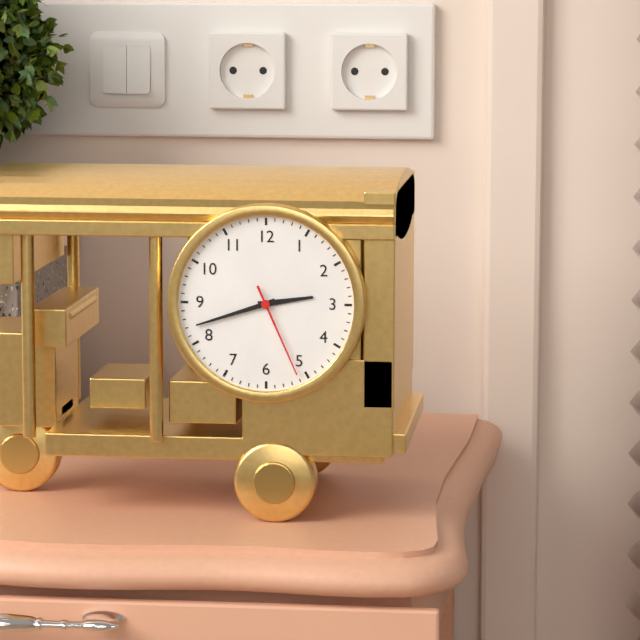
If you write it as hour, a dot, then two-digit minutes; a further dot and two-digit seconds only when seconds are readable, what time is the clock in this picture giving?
2.42.26
